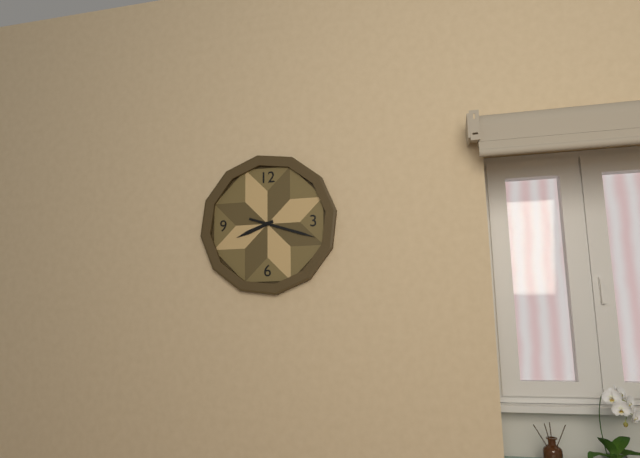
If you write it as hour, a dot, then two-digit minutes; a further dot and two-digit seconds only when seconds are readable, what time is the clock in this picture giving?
8.18
